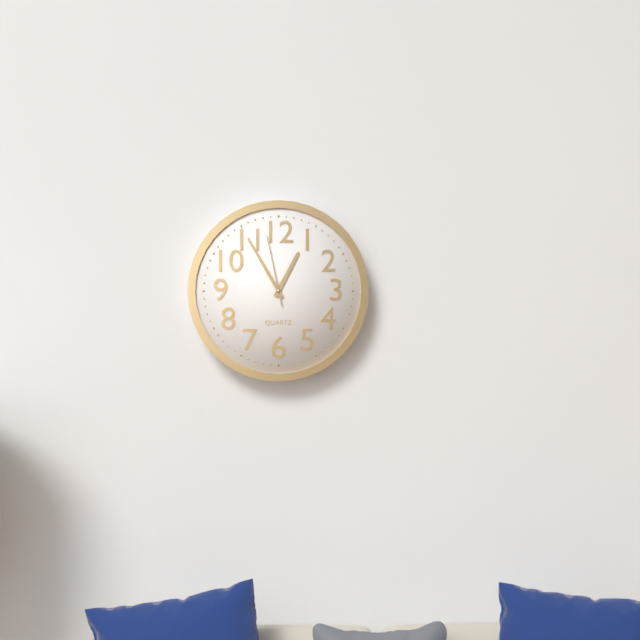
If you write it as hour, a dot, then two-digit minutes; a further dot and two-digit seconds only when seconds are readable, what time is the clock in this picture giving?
12.55.58
